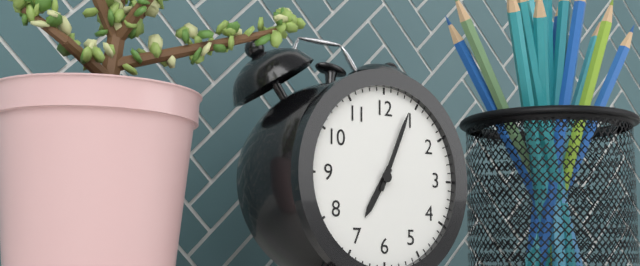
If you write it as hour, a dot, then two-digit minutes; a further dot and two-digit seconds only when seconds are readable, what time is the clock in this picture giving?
7.04
